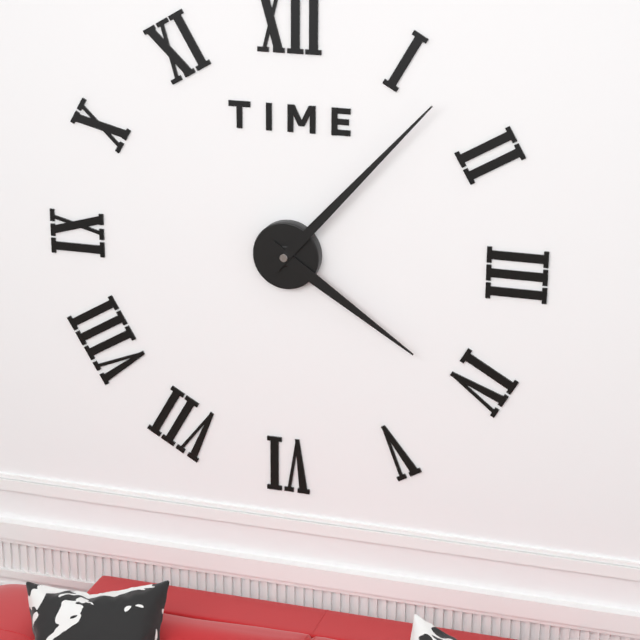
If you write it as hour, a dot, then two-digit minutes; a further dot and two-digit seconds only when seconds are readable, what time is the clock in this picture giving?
4.07
